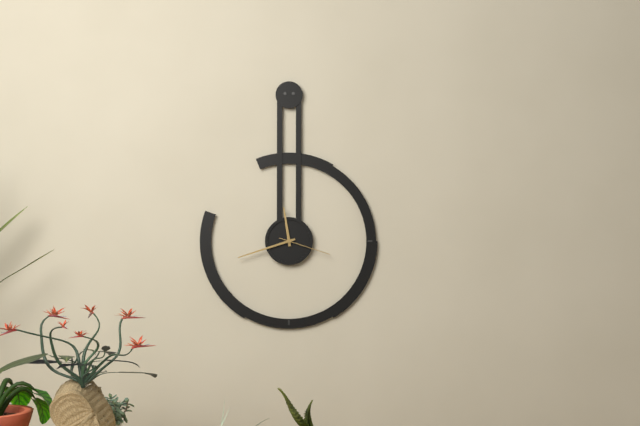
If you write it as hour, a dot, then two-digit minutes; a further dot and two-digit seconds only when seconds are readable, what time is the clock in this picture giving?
11.42.18
